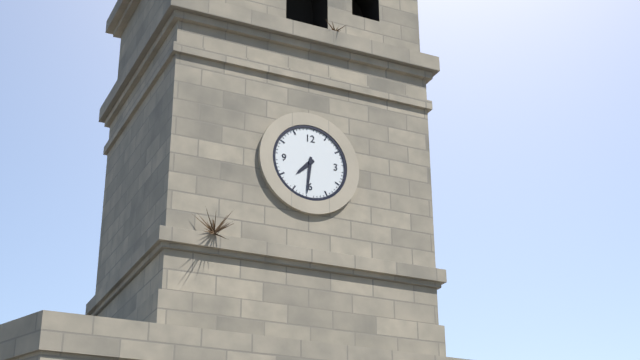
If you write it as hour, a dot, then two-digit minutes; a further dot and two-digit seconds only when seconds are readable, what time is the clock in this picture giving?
7.31
